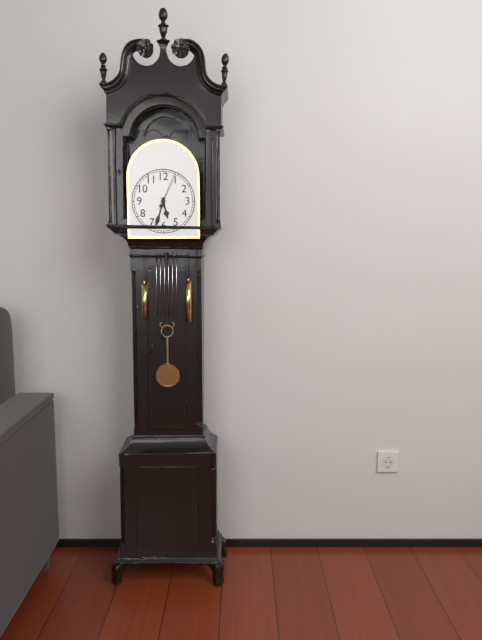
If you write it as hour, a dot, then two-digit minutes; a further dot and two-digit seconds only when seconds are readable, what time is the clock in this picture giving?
5.33
